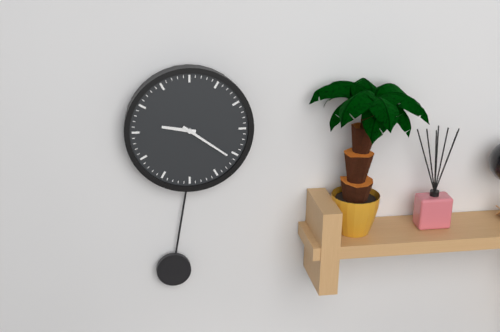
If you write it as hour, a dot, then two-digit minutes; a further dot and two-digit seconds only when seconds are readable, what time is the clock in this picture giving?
9.21
